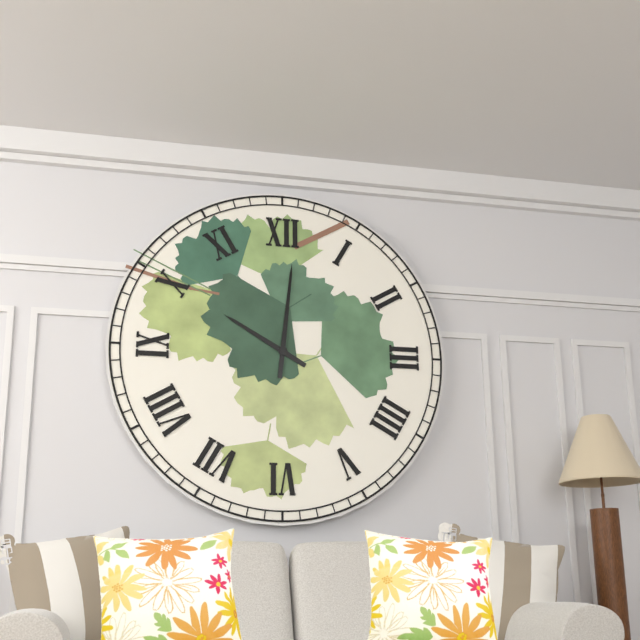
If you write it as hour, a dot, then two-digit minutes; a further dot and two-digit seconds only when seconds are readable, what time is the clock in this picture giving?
10.01
